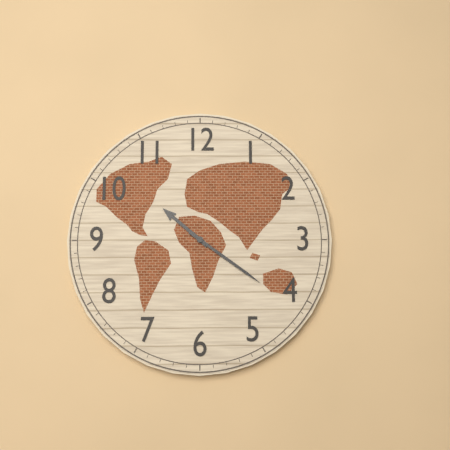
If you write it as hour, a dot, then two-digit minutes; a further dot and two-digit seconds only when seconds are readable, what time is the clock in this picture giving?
10.21
